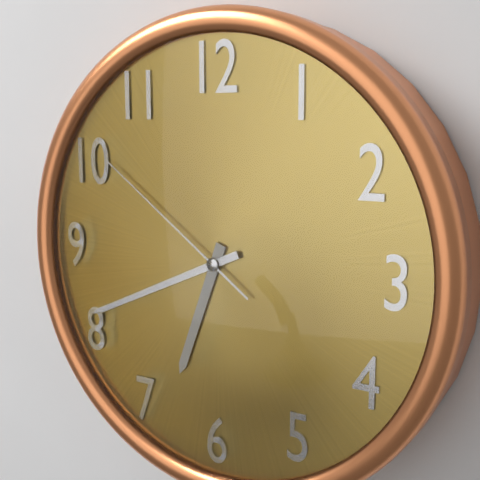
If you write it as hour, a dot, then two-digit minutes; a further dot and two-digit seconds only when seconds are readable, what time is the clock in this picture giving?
6.41.51
